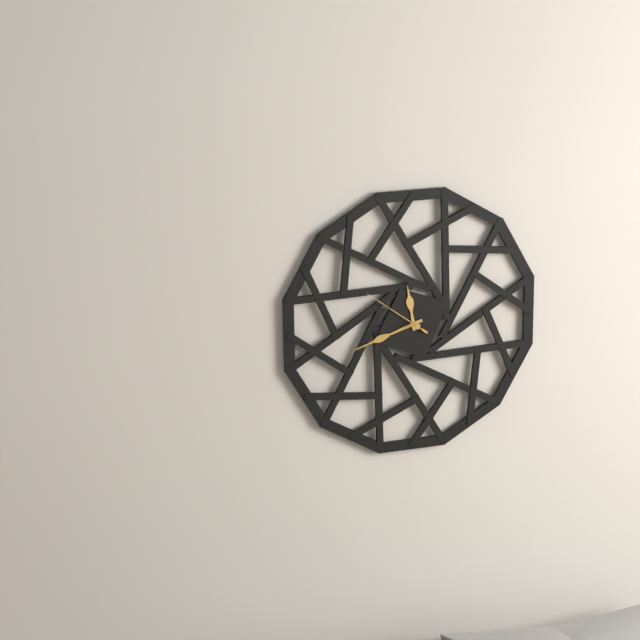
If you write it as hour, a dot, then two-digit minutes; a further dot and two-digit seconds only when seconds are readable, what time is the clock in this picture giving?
11.42.51
